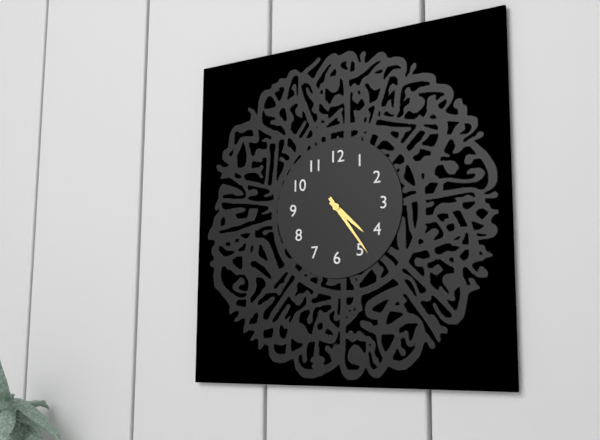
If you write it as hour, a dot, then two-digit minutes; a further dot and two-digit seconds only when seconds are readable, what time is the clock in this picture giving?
4.24
